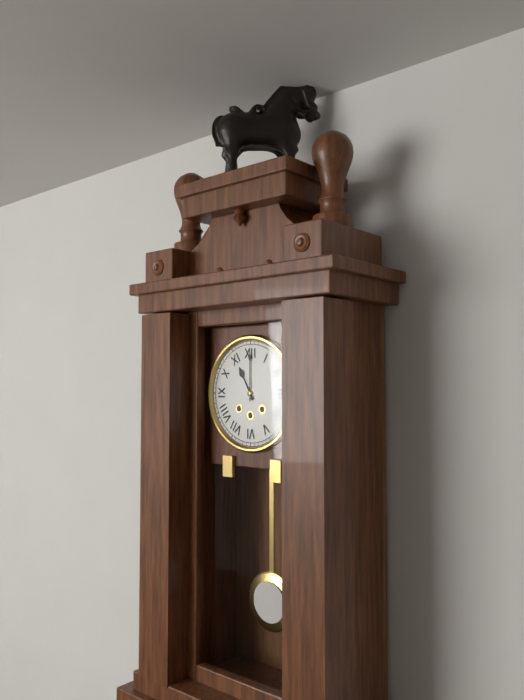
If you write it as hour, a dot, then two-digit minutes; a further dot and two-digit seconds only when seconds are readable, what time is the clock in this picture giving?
11.00
